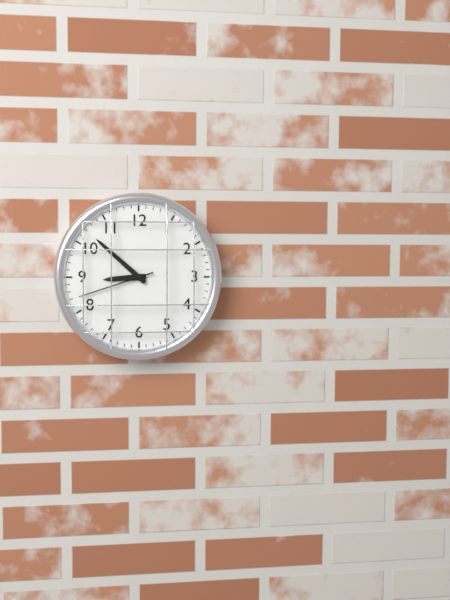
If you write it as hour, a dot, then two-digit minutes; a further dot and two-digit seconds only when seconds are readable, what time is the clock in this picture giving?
8.52.42
